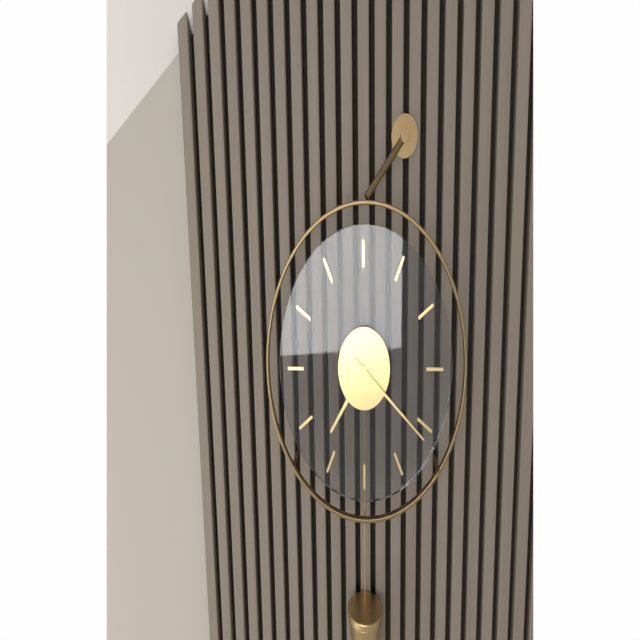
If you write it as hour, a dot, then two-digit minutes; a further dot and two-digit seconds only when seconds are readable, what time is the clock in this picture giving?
7.21
